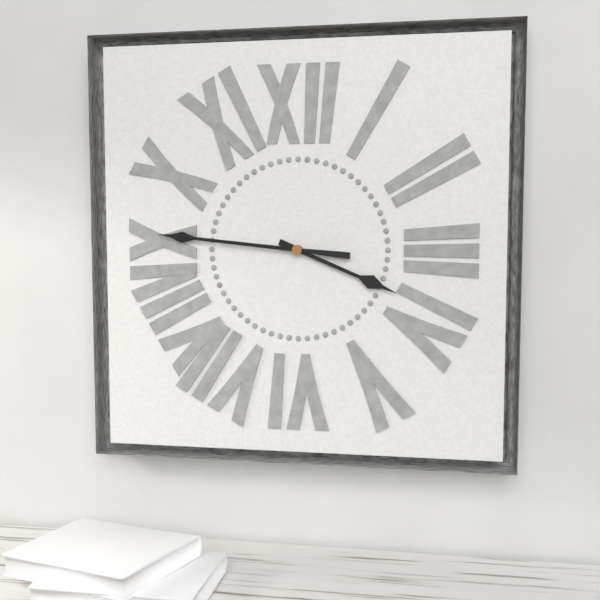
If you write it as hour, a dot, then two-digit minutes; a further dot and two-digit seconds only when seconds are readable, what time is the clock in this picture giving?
3.46
